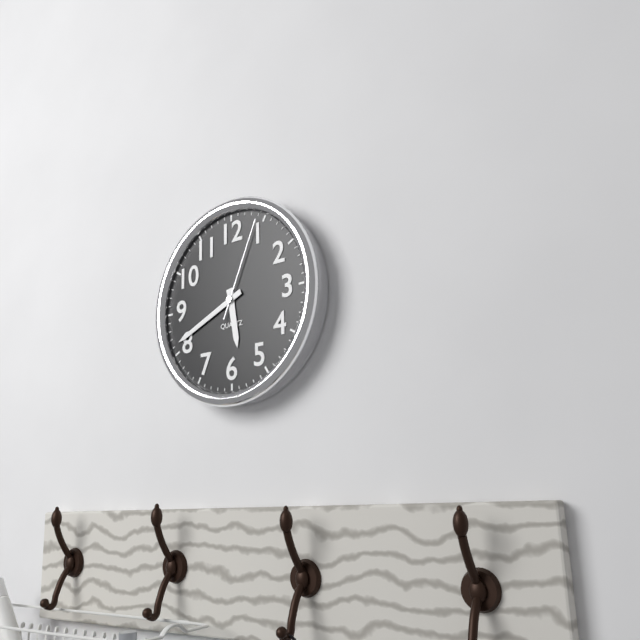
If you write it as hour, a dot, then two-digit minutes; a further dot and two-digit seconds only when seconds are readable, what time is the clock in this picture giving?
5.41.04
